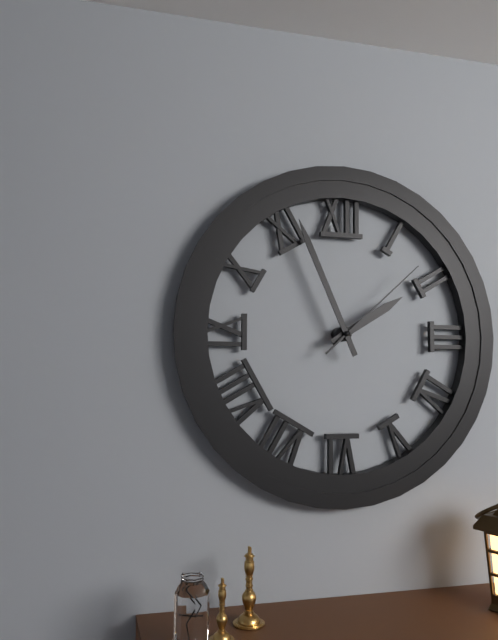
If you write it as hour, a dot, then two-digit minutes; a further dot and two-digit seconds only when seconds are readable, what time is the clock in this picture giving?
1.56.08
